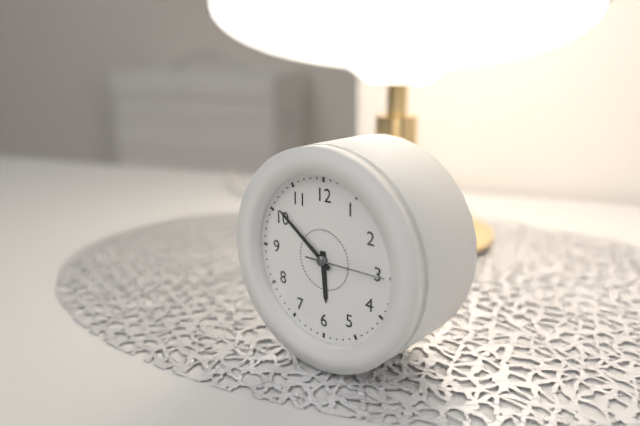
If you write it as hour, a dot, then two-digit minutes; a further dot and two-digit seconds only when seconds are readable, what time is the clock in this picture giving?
5.51.15
